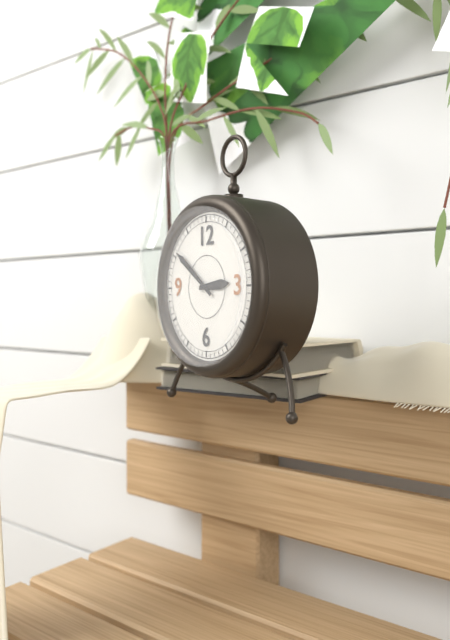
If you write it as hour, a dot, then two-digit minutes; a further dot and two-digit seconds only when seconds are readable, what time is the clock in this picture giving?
2.51
